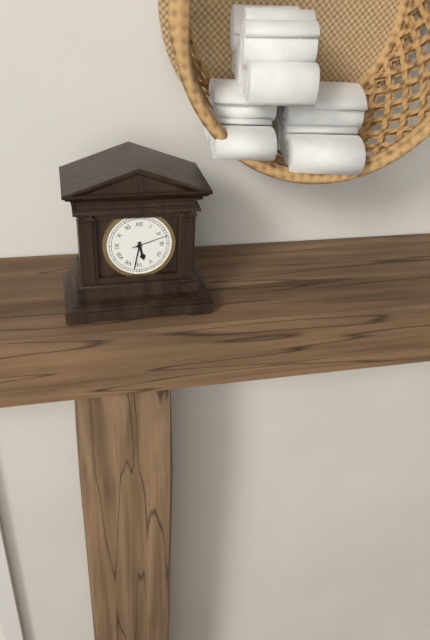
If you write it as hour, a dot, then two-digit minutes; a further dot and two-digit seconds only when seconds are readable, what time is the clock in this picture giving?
5.32
